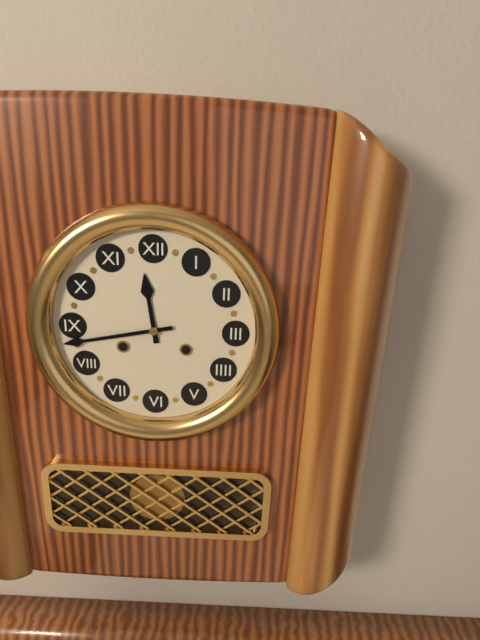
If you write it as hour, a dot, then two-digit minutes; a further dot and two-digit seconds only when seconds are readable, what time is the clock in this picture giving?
11.43
